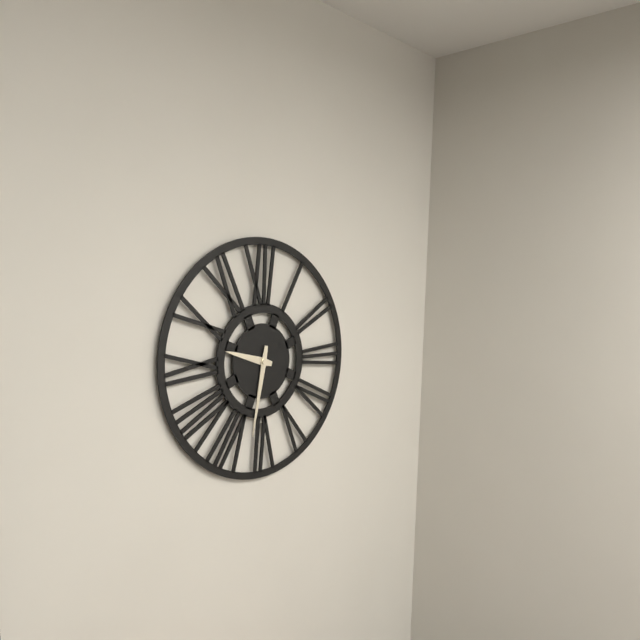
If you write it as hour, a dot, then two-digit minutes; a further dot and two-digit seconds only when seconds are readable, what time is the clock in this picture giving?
9.32
